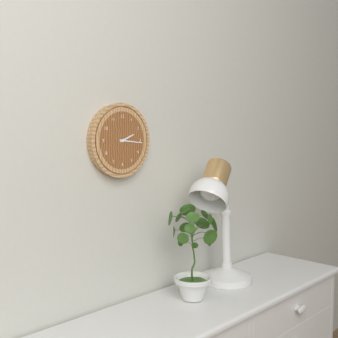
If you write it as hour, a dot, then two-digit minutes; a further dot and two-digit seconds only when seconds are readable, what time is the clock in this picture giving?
2.16
